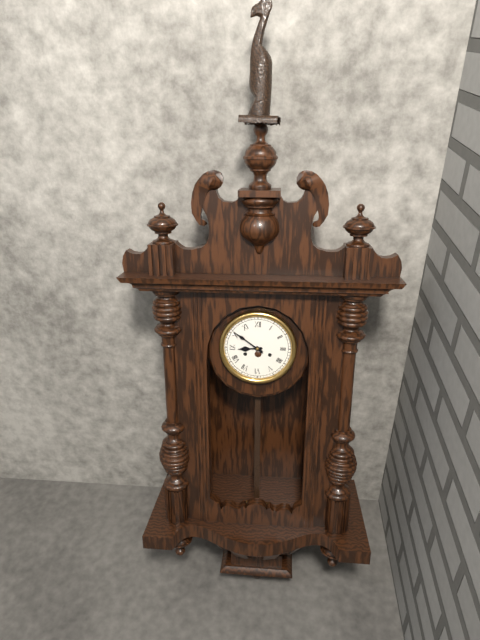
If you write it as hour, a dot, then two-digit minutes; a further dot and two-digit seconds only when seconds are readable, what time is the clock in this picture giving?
8.51
